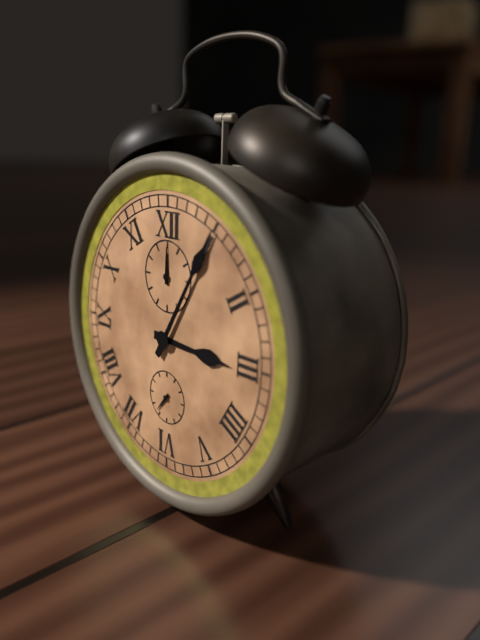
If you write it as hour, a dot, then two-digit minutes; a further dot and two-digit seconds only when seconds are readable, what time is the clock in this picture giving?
3.05
